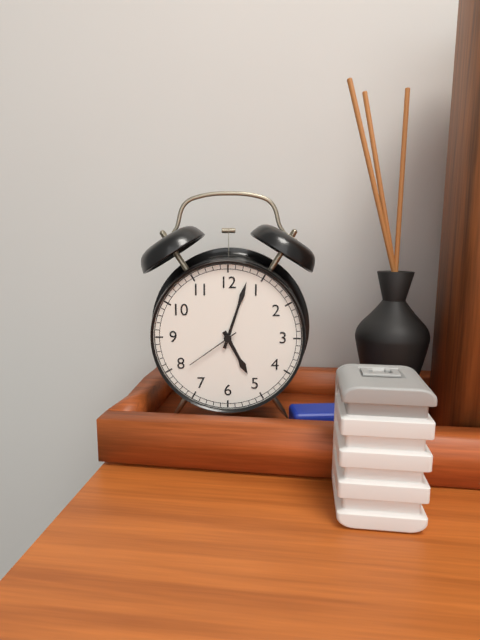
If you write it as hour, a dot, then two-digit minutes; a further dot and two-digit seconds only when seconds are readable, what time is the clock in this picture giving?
5.03.39
